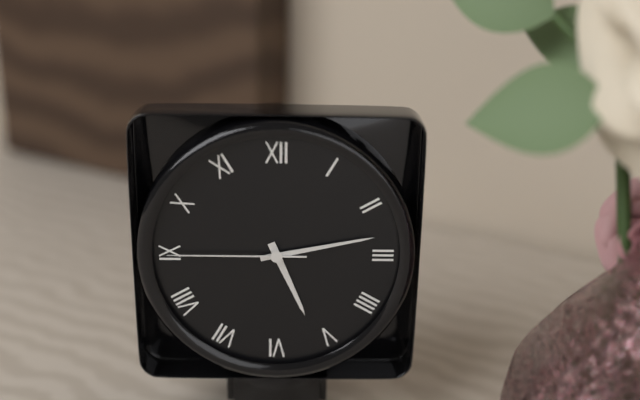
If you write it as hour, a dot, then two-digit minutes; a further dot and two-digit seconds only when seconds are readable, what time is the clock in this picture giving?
5.13.45
